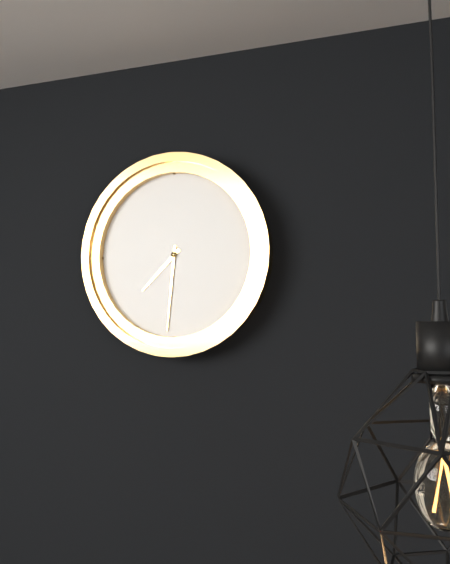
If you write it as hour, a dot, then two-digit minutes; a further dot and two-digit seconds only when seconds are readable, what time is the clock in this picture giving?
7.31
